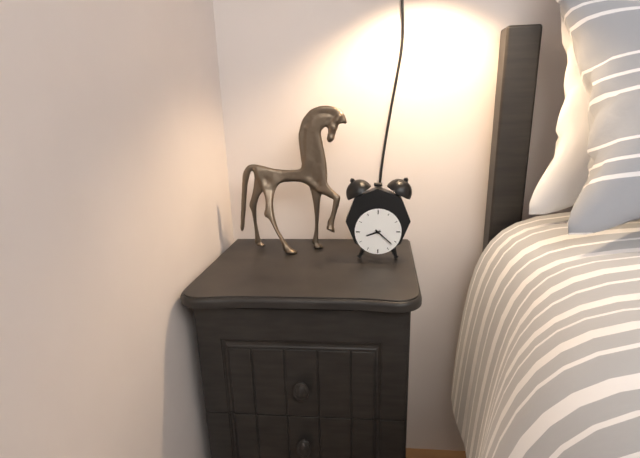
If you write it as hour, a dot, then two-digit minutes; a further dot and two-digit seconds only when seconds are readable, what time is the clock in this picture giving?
8.22
